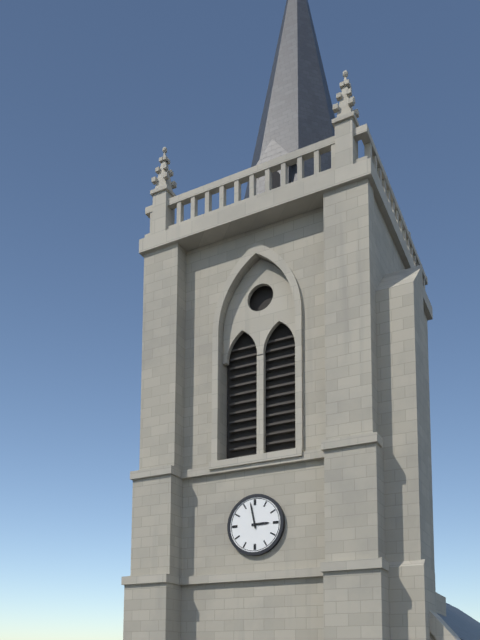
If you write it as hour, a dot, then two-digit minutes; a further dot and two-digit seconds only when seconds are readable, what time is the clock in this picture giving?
2.58
